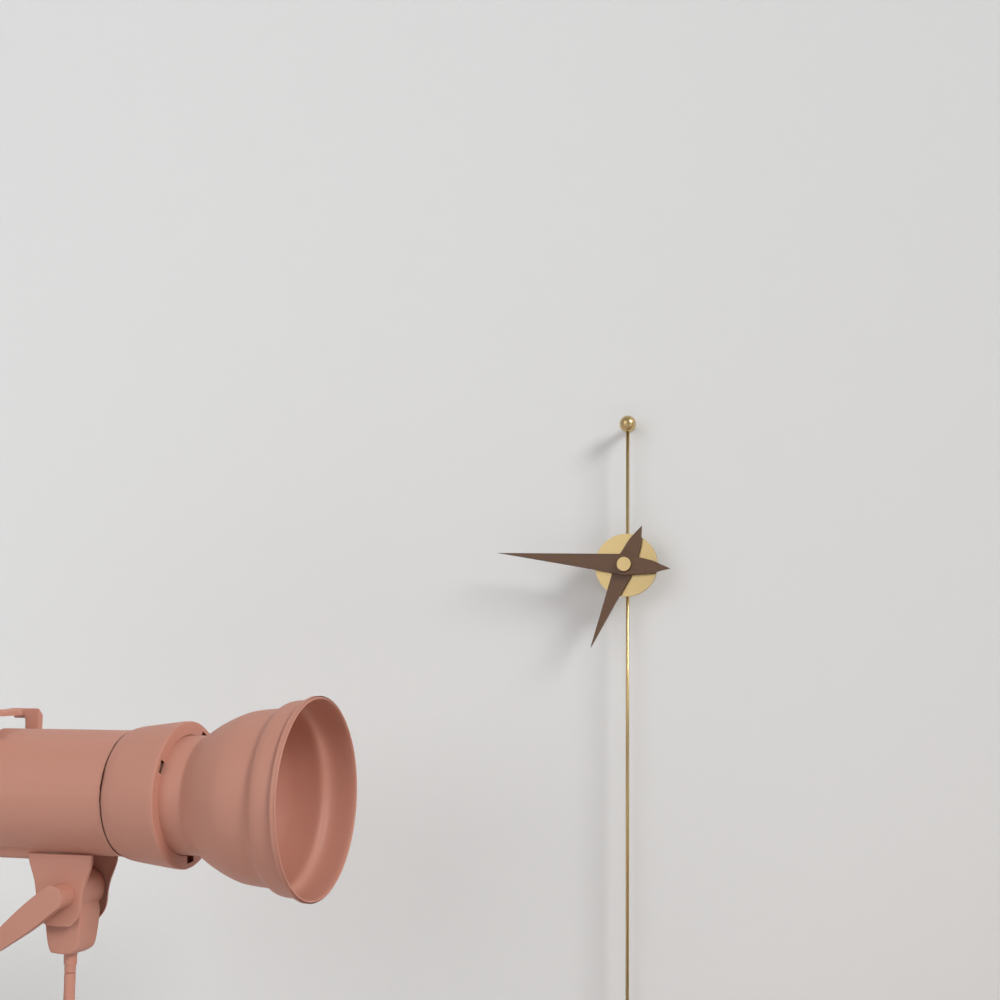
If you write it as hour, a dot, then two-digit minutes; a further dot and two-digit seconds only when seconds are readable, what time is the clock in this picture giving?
6.46
